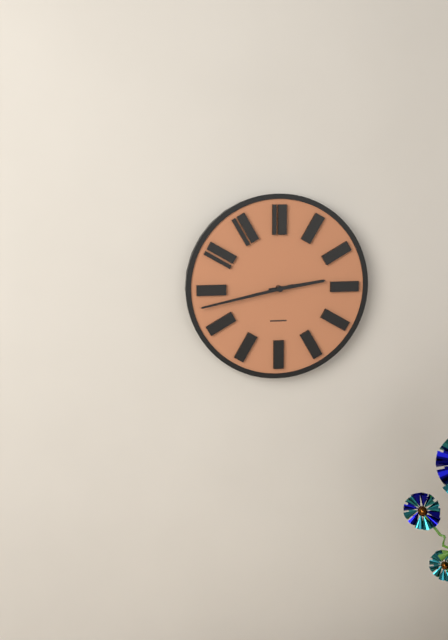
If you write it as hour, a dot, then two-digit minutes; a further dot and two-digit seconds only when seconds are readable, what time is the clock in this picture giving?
2.43
